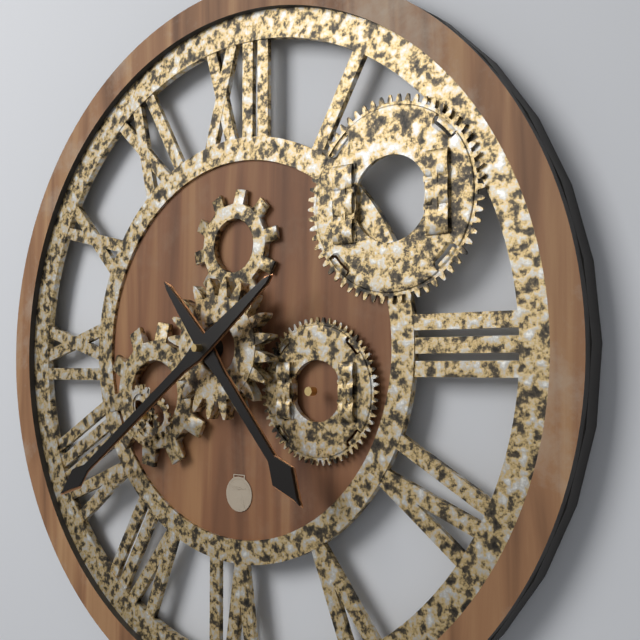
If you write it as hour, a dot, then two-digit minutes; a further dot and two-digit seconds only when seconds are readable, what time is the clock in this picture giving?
4.39
